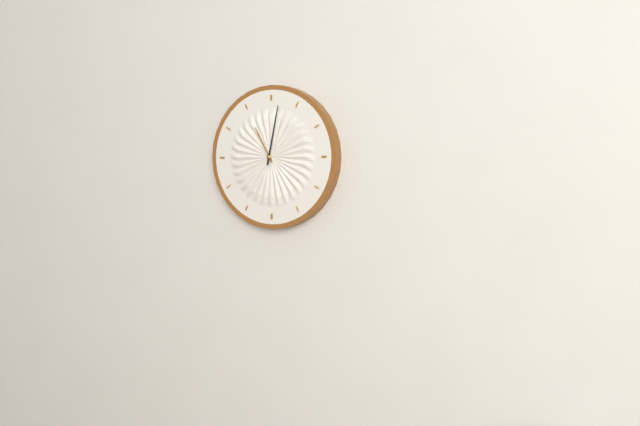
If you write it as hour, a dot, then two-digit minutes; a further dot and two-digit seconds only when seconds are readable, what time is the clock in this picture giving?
11.02
